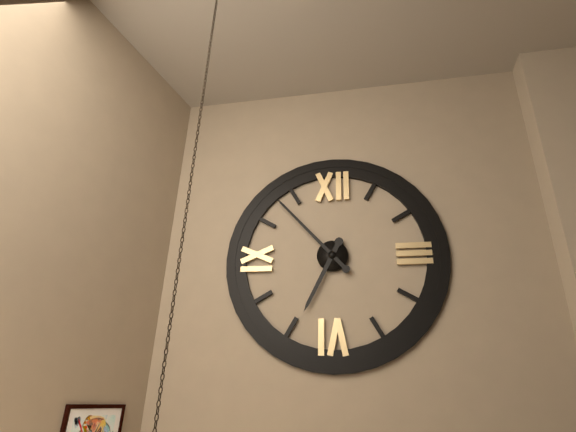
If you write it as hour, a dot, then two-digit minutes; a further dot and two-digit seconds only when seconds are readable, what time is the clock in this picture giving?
6.53
